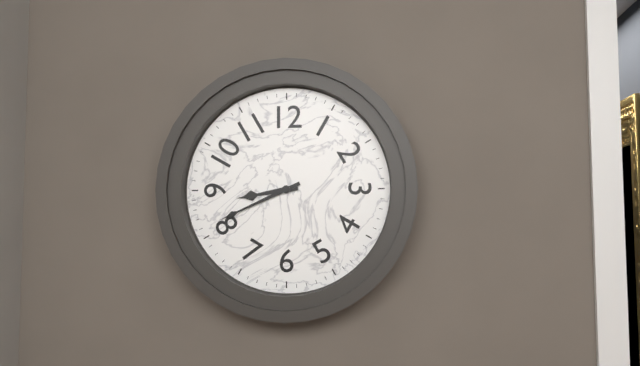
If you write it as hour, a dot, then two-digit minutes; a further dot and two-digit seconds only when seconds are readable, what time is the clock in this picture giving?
8.41
